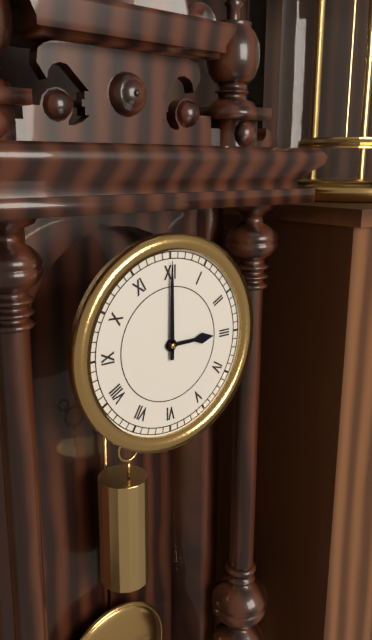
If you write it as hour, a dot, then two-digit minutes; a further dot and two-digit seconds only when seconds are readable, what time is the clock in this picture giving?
3.00
